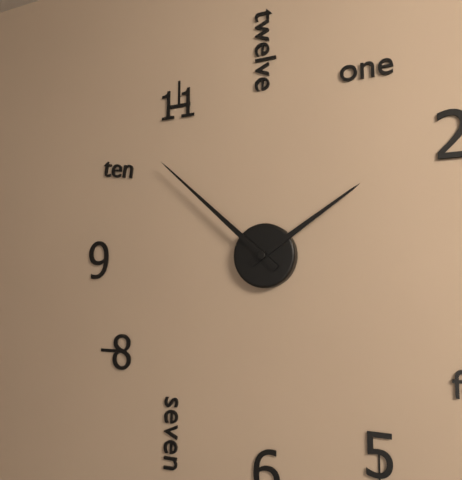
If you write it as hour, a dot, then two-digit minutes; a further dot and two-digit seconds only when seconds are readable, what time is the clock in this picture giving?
1.52
